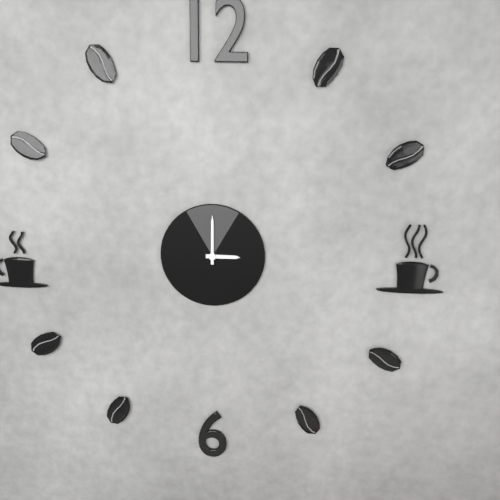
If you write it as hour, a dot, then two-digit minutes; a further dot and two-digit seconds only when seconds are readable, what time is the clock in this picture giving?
3.00
